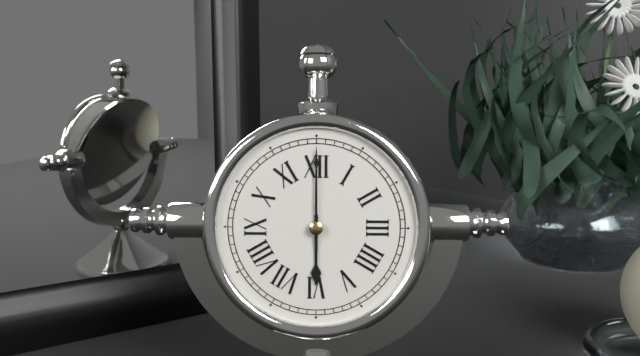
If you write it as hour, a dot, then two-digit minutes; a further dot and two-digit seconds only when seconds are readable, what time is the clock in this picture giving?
6.00
